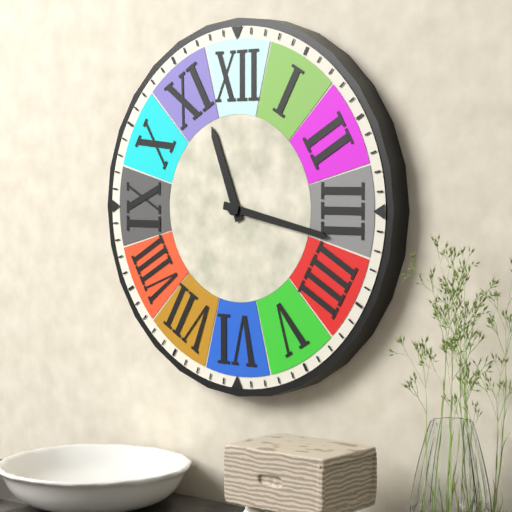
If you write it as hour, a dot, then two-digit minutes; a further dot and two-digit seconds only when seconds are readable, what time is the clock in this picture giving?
11.17
